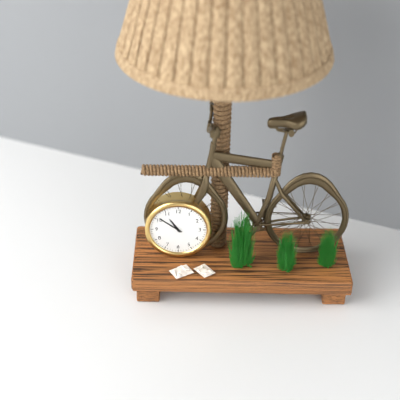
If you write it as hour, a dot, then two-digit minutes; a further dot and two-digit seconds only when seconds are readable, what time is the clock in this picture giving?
10.51
